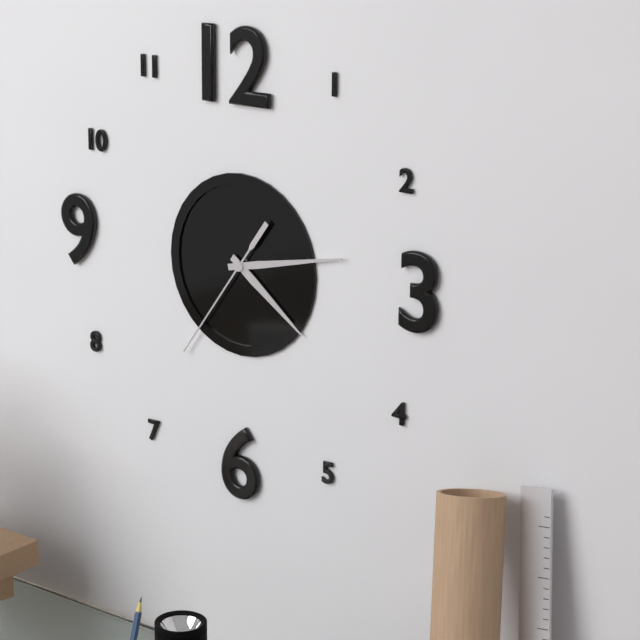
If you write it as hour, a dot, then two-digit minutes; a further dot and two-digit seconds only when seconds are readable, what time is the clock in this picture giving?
4.13.36
